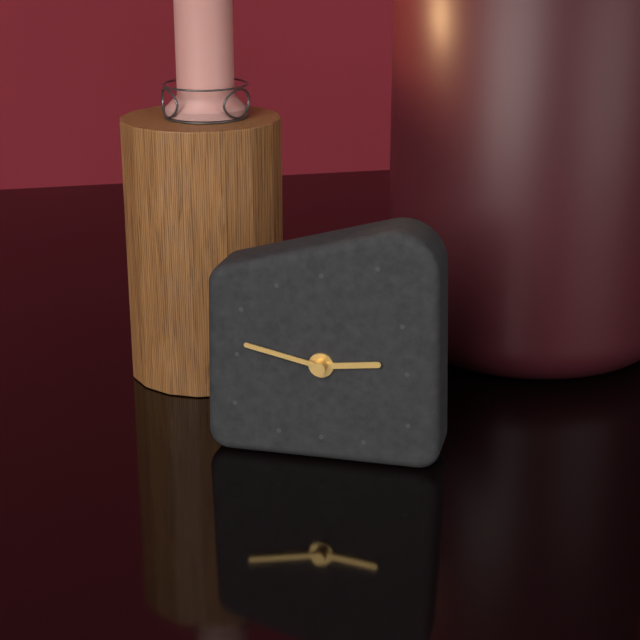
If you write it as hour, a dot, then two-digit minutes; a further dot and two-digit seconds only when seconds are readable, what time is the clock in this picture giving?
2.47
